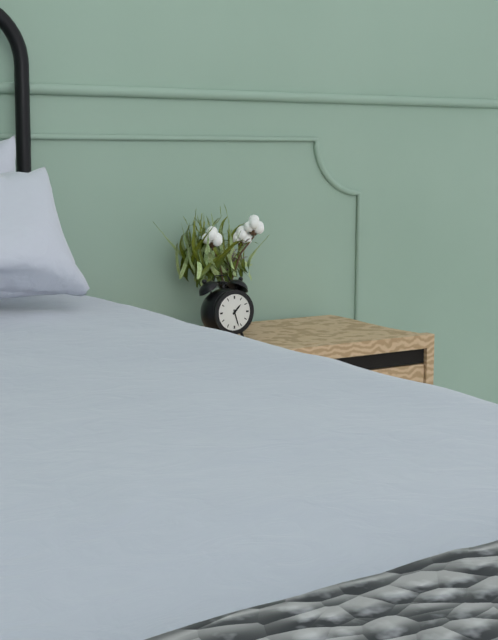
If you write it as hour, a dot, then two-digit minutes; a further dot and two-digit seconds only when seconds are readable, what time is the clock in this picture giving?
1.27
